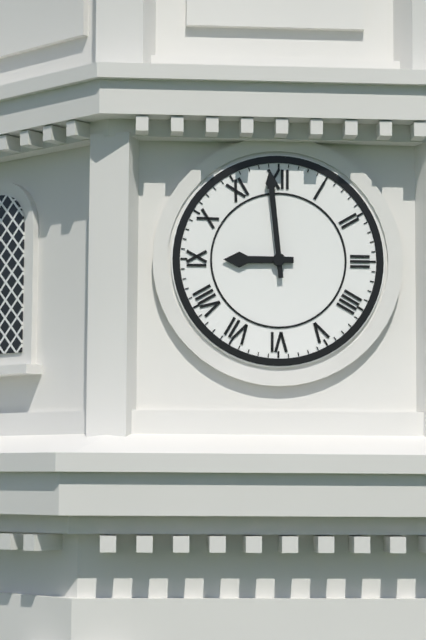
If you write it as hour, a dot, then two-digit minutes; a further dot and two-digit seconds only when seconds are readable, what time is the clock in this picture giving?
8.59
